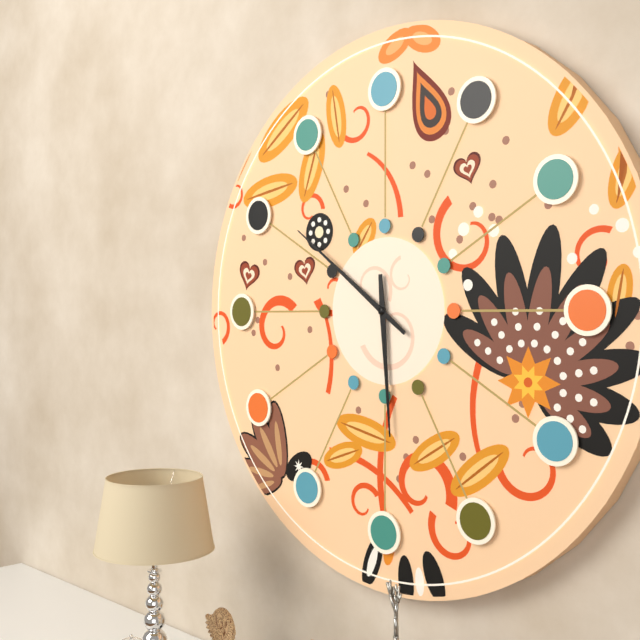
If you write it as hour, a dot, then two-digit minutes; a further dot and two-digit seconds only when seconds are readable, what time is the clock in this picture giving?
5.51
